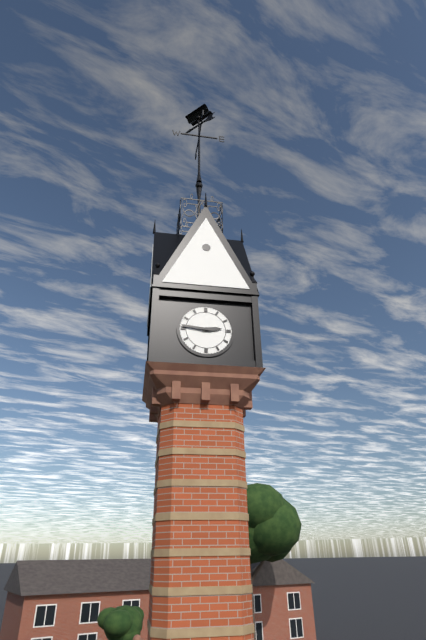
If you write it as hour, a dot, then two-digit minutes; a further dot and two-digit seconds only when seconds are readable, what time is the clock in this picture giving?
2.46
